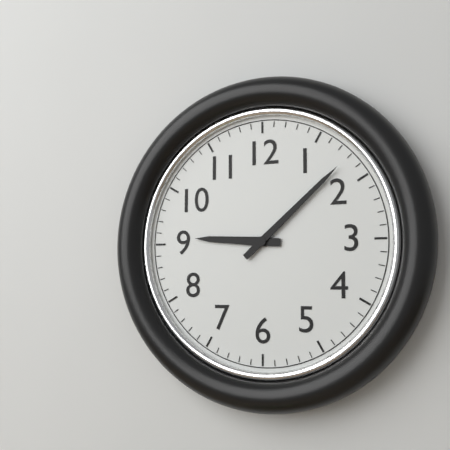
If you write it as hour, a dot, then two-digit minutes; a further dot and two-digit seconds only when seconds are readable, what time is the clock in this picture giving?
9.08
